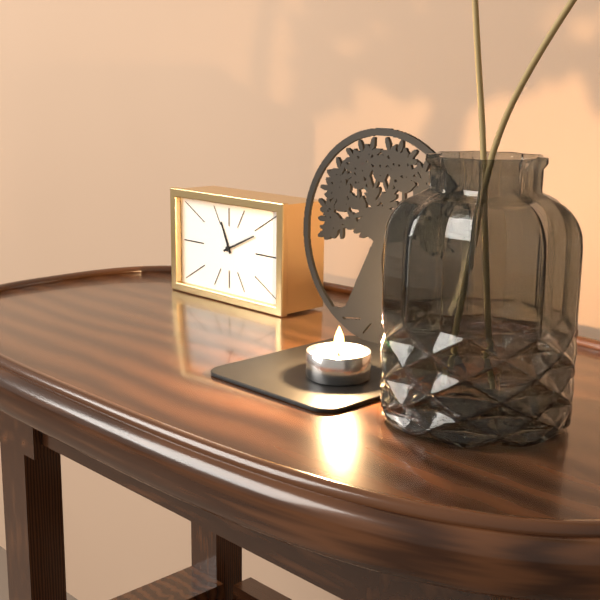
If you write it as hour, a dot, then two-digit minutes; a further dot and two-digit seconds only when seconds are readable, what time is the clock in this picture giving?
11.11
